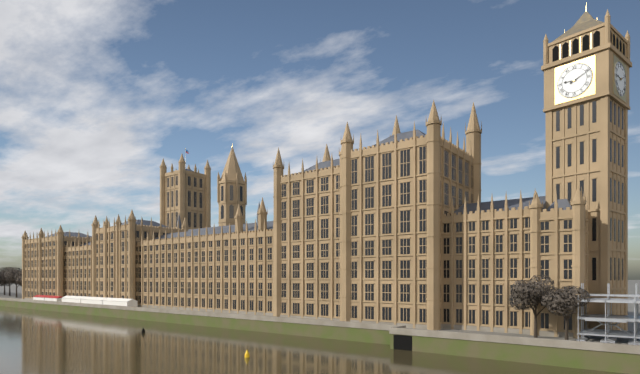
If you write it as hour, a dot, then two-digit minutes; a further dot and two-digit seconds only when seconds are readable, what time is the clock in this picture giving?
9.11
